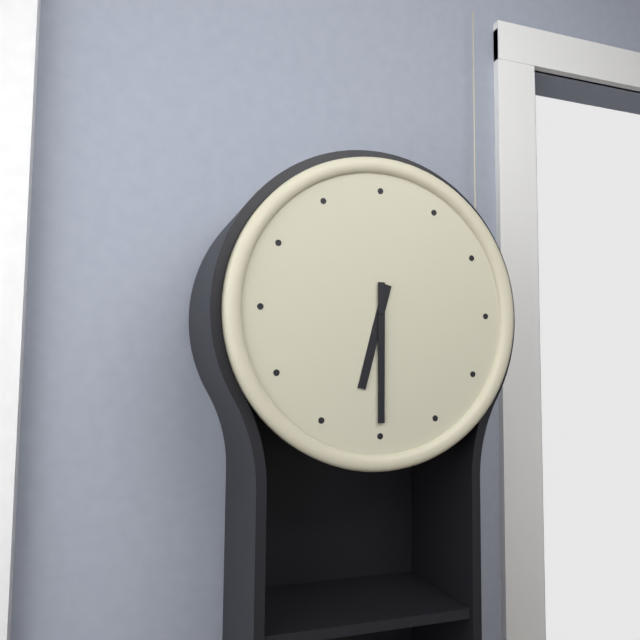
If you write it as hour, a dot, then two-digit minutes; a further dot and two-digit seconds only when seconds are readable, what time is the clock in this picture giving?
6.30
